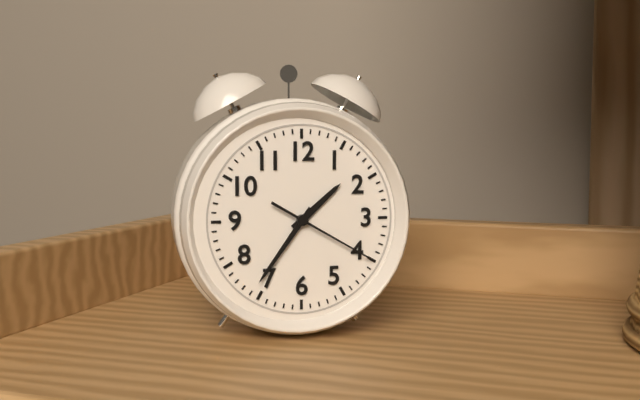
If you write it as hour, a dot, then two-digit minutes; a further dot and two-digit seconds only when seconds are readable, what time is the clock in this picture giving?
1.36.20
